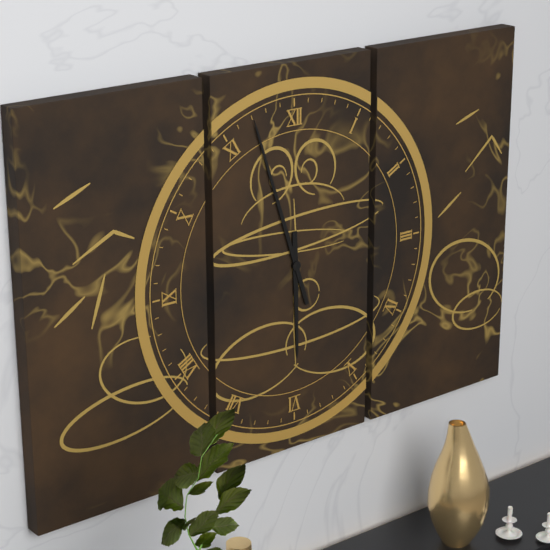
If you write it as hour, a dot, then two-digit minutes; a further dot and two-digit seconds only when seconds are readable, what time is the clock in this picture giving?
5.57
